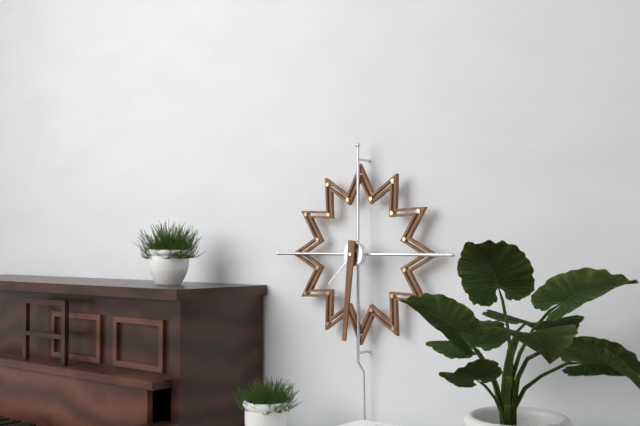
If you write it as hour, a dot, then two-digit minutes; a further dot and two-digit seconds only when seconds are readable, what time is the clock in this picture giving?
7.31
